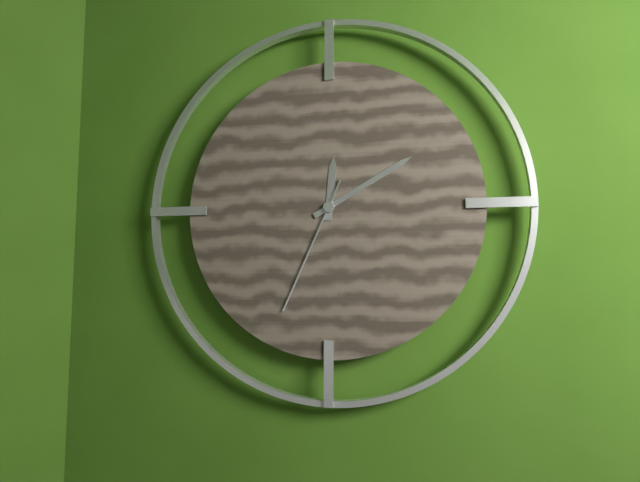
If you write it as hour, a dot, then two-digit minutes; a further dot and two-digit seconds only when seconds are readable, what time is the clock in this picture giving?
12.10.34
